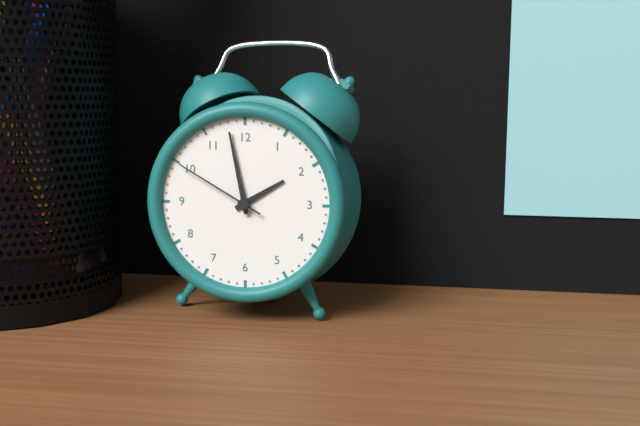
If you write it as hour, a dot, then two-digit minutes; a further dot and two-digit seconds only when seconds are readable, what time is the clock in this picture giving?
1.58.50
